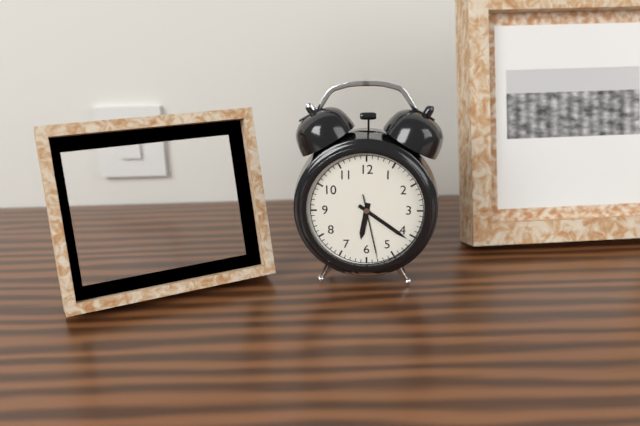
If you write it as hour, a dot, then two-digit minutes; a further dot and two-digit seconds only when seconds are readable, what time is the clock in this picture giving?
6.21.28
